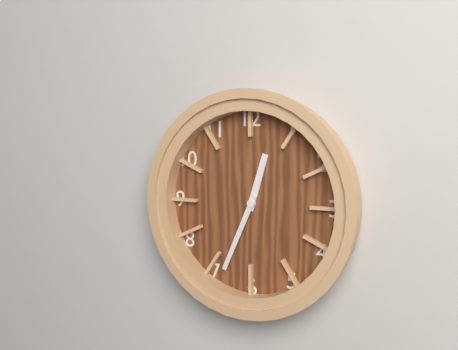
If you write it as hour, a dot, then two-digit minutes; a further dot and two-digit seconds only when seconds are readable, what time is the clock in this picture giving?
12.34
